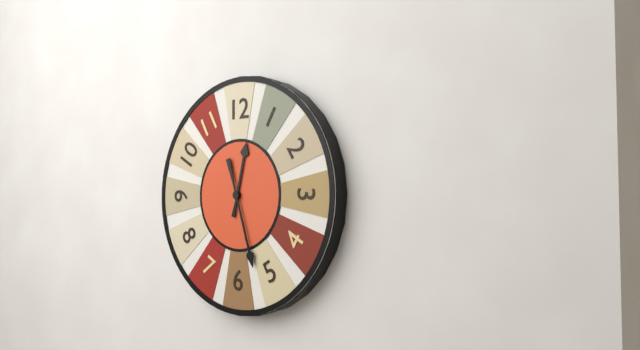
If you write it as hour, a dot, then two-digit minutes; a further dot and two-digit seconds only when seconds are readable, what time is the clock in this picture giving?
12.27
